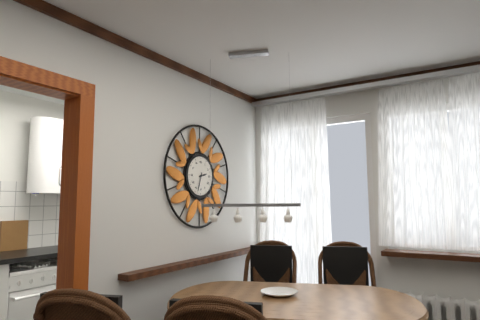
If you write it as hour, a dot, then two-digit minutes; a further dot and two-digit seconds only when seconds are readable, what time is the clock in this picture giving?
2.33
